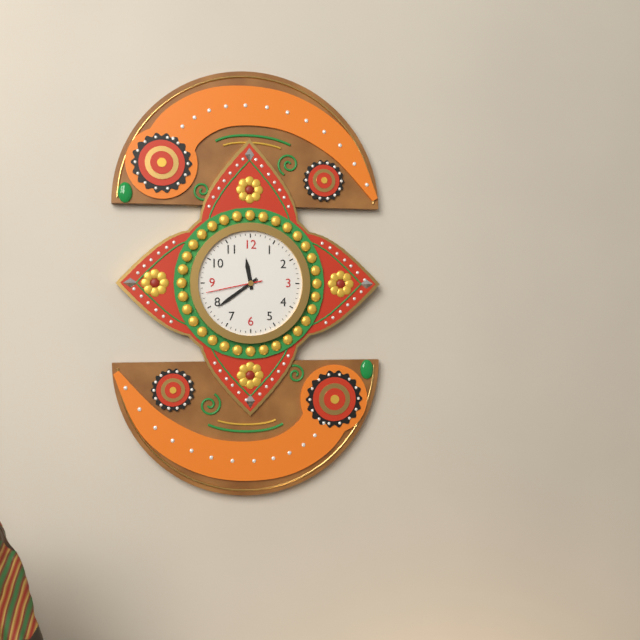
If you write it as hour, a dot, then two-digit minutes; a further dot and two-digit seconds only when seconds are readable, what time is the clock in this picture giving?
11.39.43
